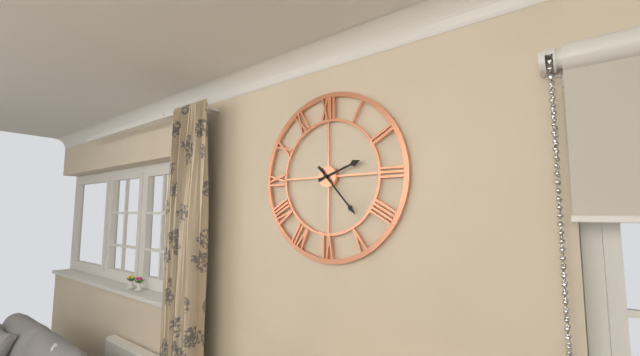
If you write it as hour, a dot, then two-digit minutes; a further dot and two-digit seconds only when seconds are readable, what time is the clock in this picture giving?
2.23
